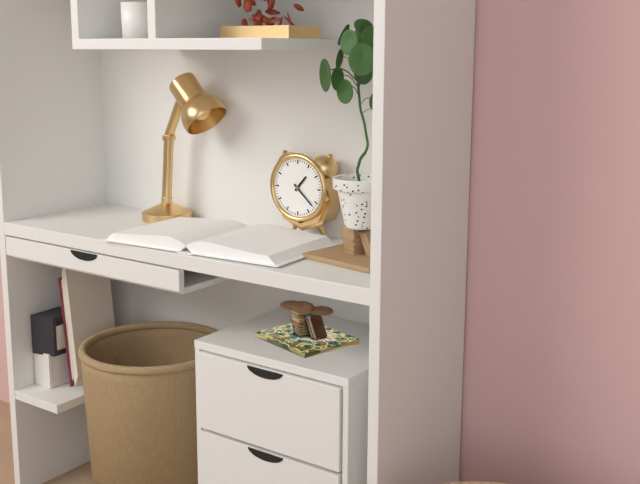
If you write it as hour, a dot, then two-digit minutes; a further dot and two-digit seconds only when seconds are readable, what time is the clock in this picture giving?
1.22
